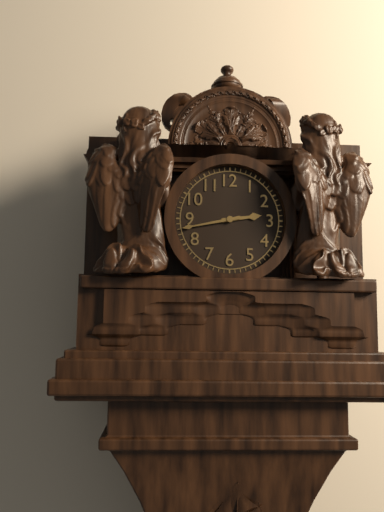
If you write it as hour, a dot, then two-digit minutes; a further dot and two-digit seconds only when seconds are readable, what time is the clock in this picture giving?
2.43
